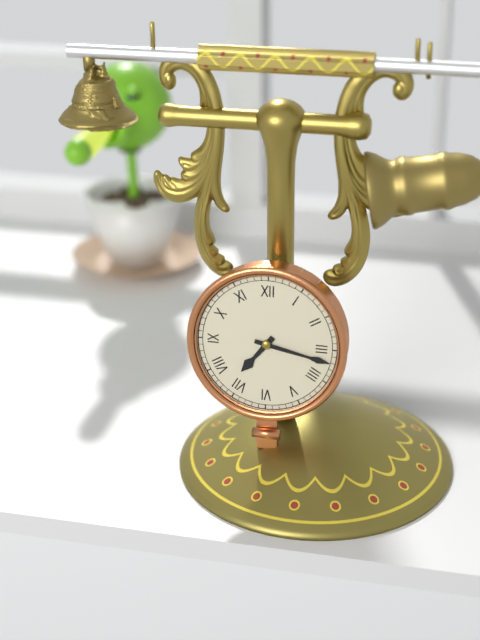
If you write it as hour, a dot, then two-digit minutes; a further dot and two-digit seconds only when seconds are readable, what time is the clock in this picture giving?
7.17
